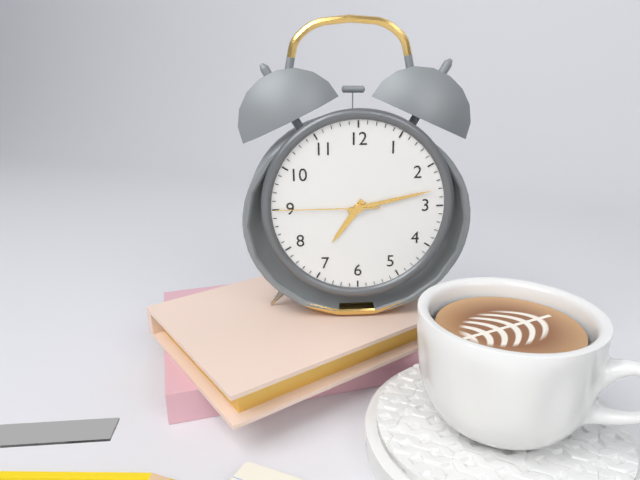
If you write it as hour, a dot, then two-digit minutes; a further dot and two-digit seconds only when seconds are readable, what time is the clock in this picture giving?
7.13.45
